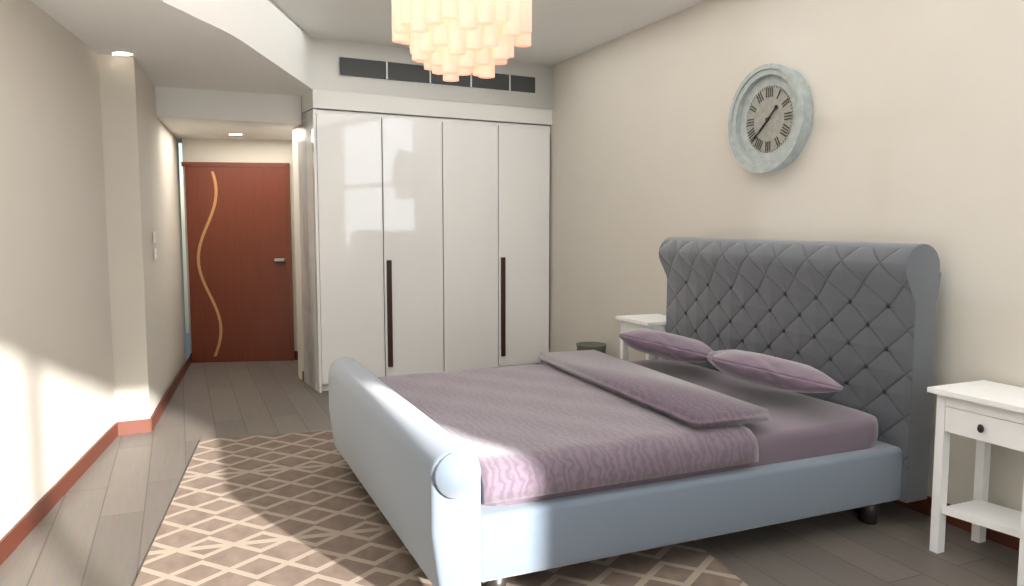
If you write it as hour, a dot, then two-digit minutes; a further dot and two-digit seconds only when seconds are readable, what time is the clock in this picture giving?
7.38
